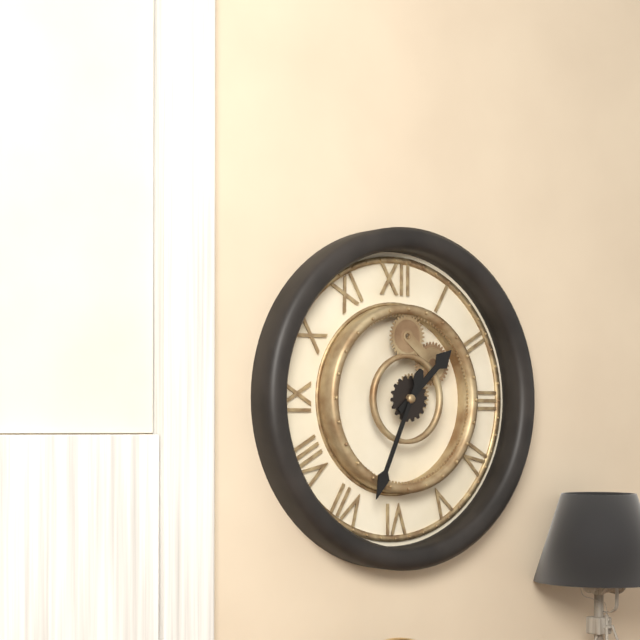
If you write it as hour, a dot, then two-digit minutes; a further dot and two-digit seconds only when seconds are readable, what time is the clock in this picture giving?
1.34
